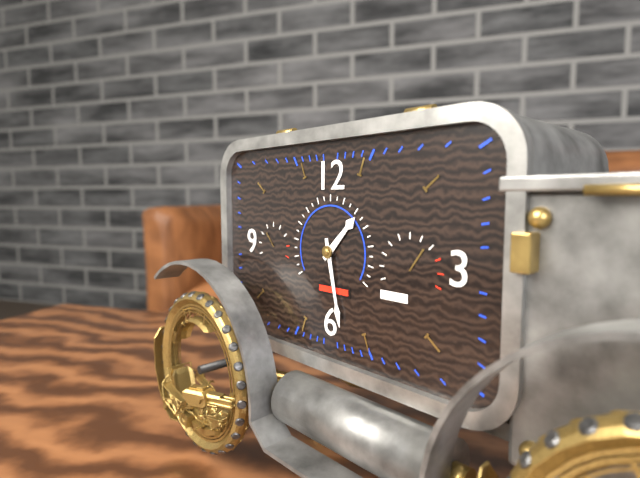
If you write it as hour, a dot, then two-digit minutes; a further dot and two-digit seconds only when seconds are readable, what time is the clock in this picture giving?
1.28
